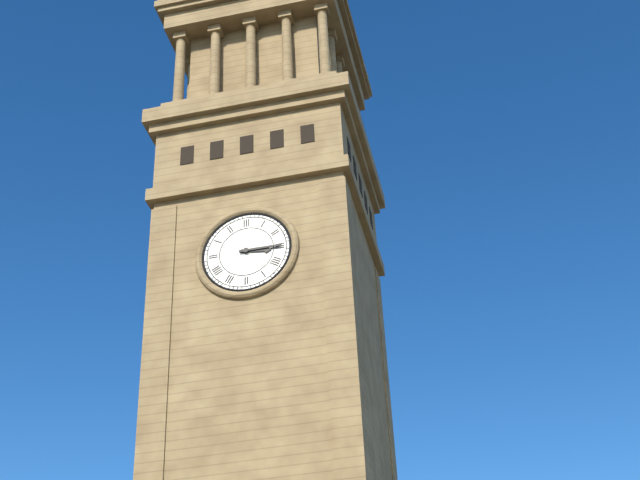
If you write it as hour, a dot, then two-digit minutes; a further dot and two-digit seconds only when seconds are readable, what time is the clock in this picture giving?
3.15
